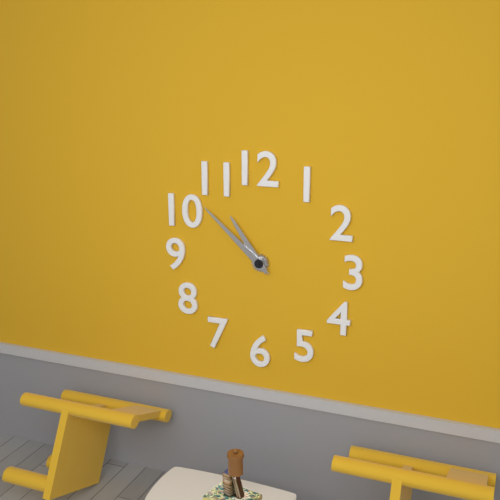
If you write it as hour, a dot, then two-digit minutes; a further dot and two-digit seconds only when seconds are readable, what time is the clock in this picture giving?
10.52
